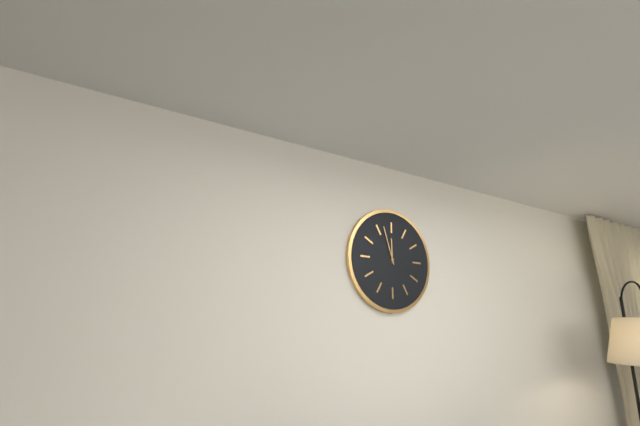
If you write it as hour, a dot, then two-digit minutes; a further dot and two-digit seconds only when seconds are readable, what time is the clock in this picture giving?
11.57
